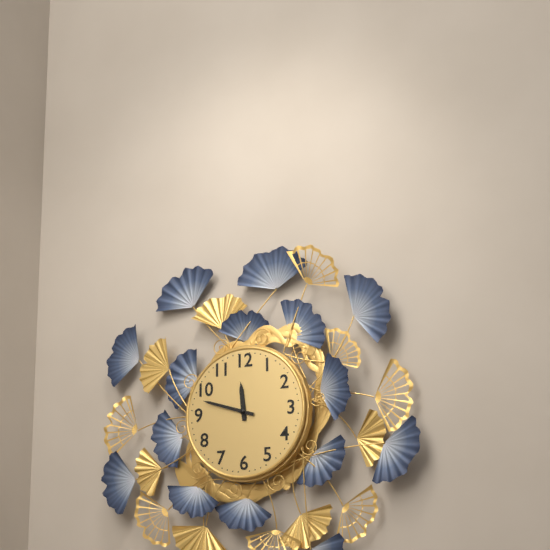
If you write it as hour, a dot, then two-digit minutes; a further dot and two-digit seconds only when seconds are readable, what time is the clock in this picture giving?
11.48
